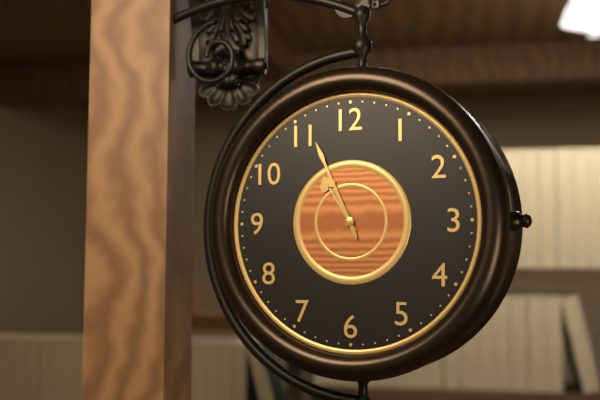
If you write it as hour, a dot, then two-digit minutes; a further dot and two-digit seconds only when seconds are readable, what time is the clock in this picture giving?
10.56
